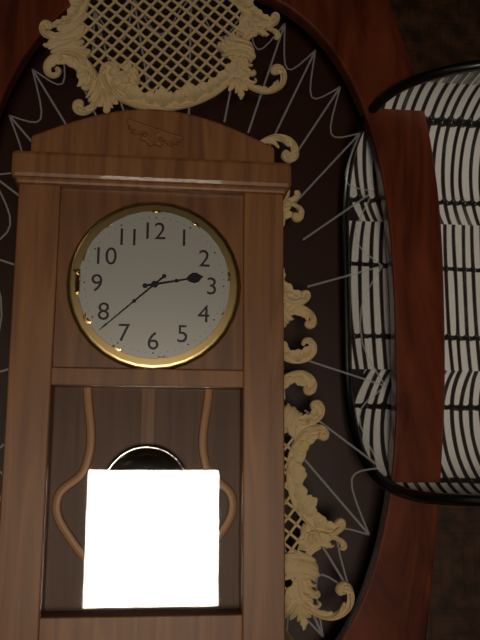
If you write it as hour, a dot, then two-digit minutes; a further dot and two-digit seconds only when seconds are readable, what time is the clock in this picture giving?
2.38
